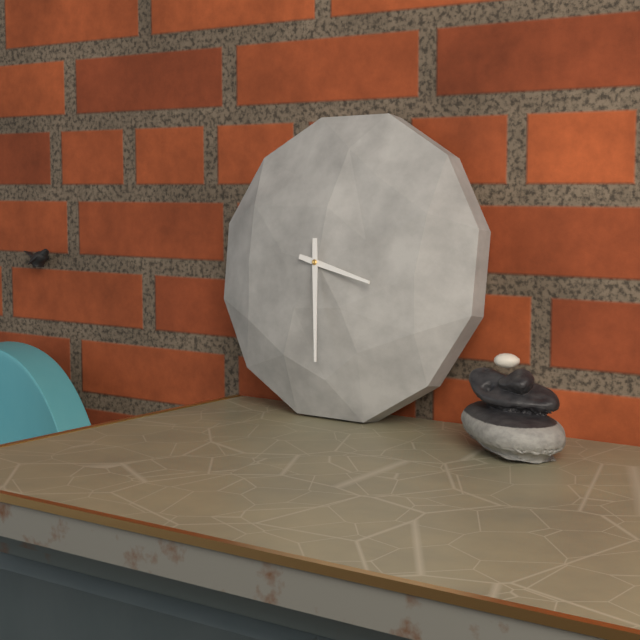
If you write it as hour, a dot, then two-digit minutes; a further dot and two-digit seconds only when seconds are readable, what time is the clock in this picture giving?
3.29
